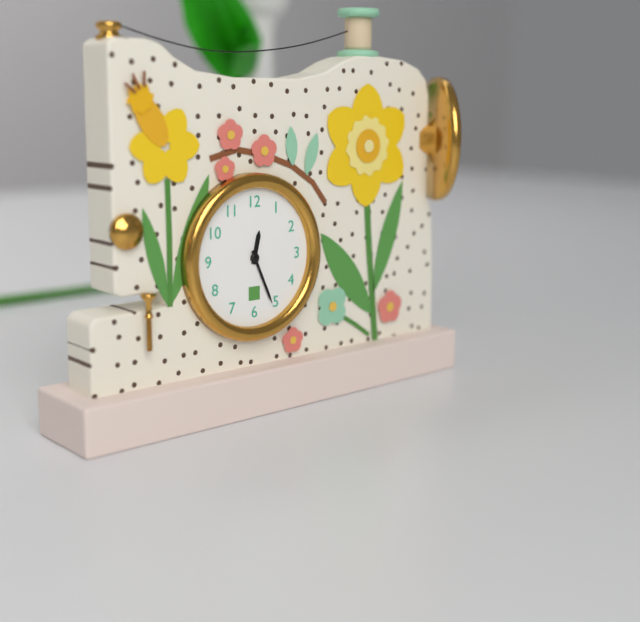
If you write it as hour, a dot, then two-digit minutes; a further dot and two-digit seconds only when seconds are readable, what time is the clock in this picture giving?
12.26
